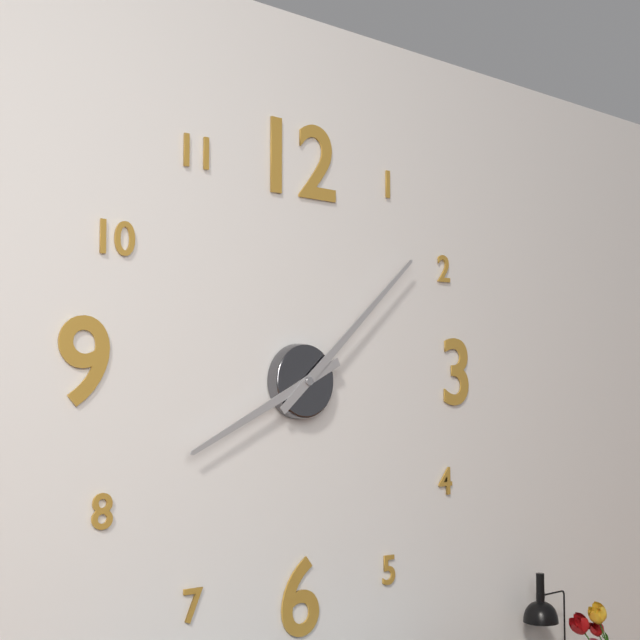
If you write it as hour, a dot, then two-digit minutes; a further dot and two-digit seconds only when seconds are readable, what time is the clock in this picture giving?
8.08
